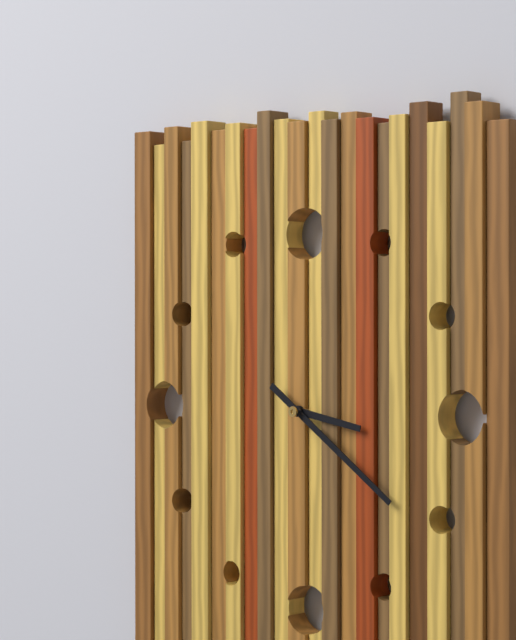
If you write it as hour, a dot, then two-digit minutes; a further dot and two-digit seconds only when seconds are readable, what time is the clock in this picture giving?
3.21
